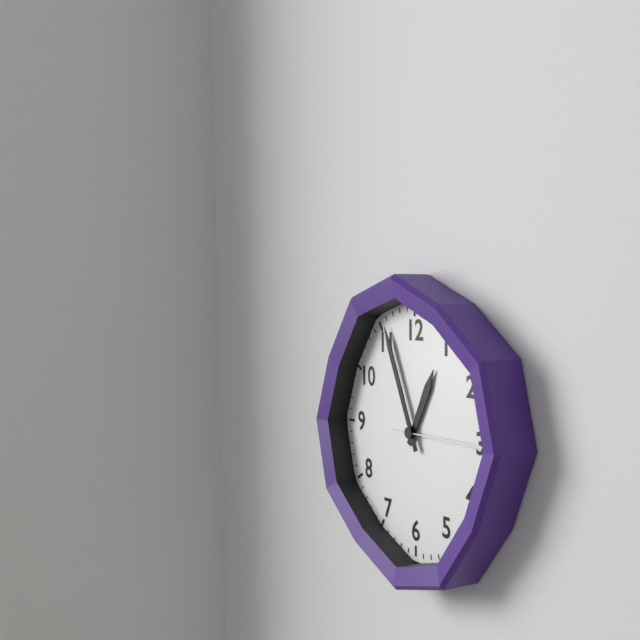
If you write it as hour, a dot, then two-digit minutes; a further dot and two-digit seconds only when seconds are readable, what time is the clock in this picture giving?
12.56.15
